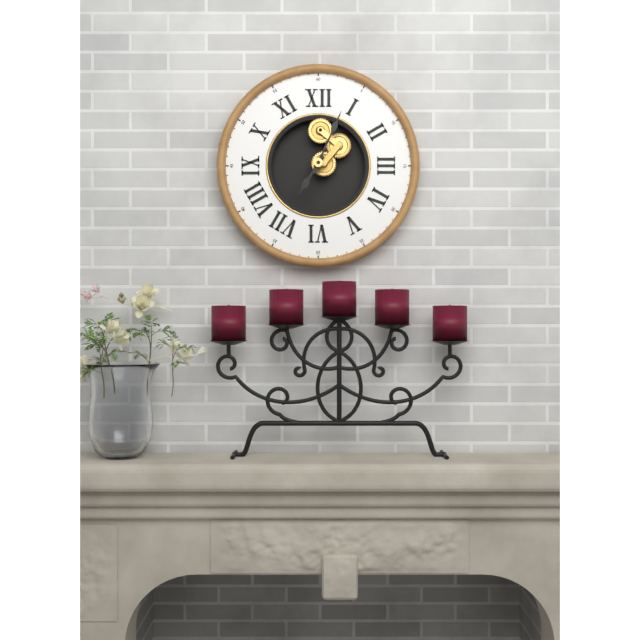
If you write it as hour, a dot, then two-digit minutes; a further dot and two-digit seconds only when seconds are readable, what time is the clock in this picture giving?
7.04
